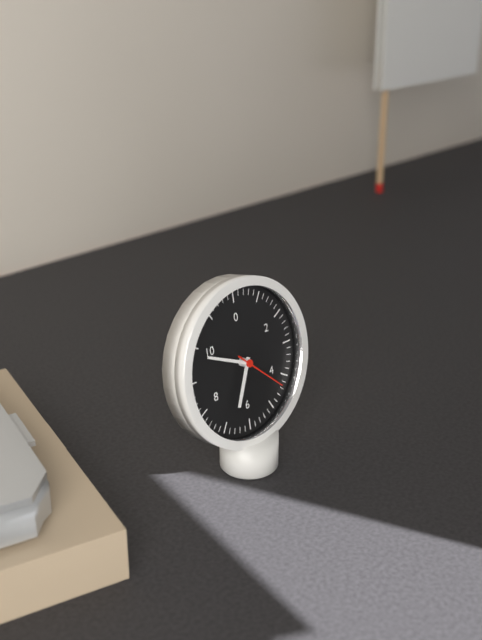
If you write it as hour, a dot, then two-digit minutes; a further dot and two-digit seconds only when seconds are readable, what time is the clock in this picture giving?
6.49.22
